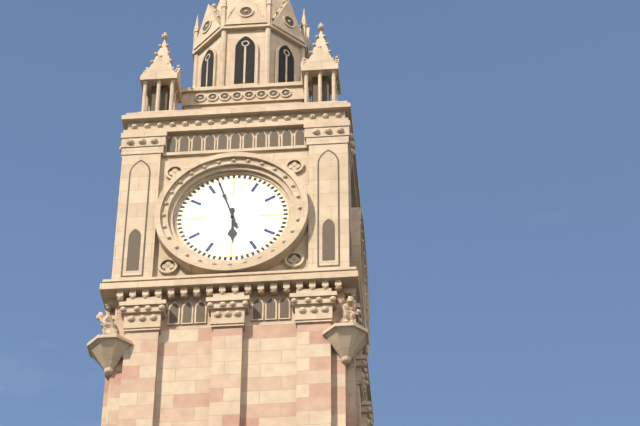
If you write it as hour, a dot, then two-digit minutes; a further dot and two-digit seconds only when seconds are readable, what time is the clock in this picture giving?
5.57
